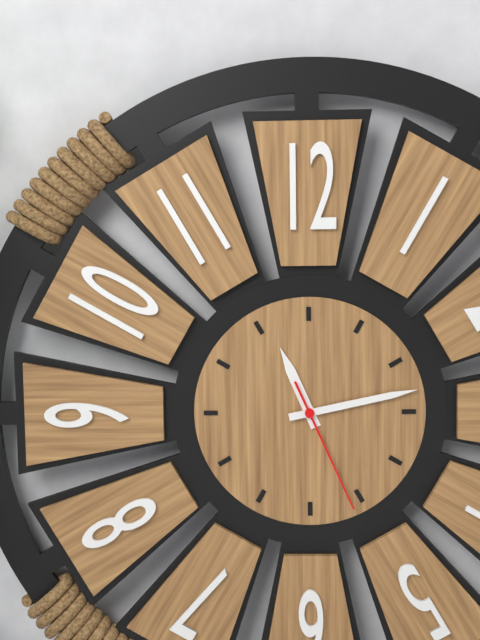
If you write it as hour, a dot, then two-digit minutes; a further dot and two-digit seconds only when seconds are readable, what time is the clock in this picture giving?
11.13.26
